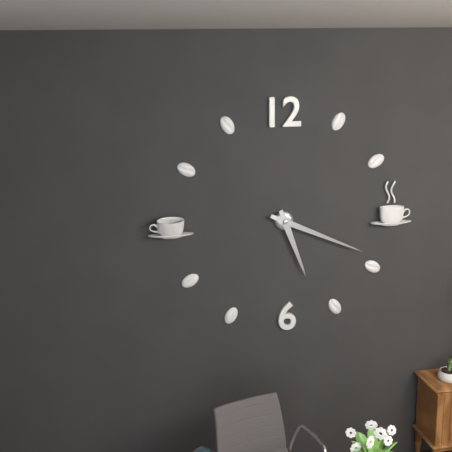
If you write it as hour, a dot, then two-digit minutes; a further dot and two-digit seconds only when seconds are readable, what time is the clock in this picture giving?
5.19
